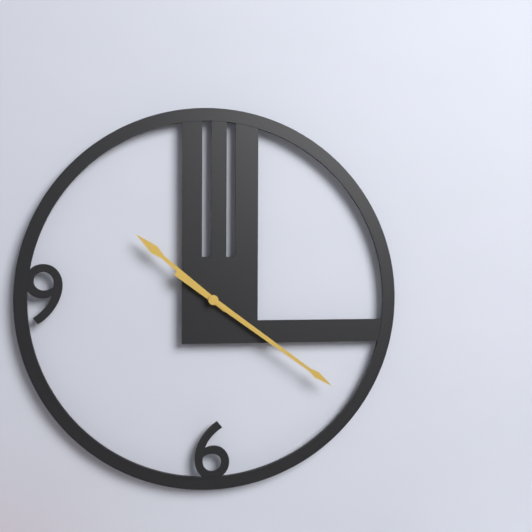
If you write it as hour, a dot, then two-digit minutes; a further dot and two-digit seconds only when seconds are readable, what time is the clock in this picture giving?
10.21
